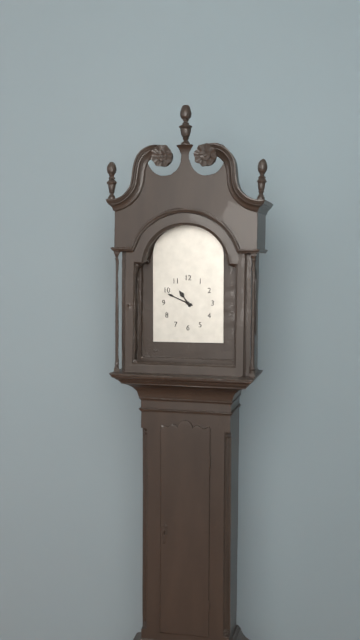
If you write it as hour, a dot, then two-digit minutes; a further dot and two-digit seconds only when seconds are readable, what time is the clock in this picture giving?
10.49
